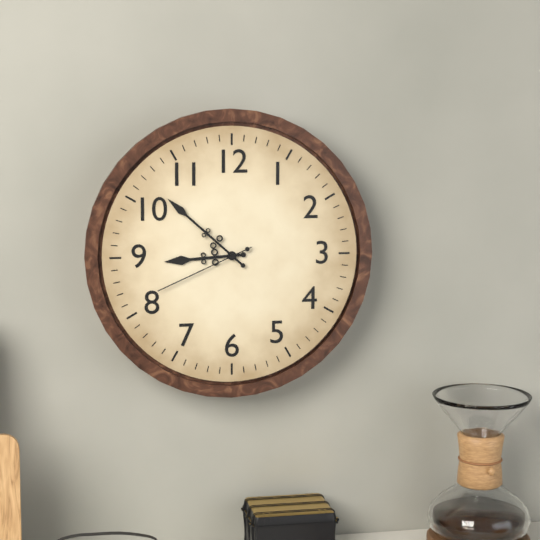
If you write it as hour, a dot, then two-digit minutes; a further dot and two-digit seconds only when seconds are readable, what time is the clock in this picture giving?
8.52.41
